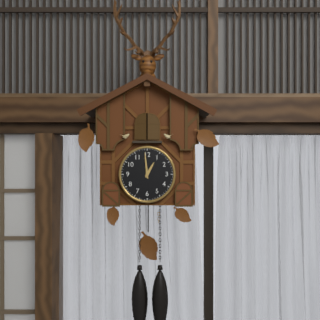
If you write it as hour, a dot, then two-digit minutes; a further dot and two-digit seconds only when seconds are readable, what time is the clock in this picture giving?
12.59
